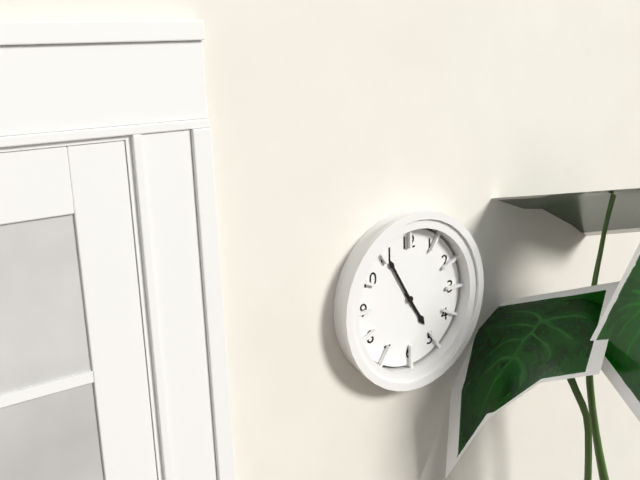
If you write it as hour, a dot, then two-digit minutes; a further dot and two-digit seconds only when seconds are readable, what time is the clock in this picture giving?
4.55
